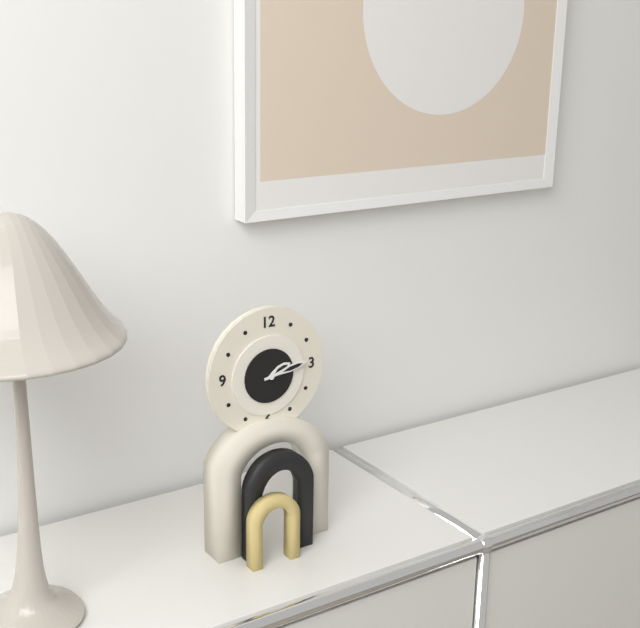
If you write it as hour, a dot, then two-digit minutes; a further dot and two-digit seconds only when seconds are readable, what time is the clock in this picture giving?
2.13
